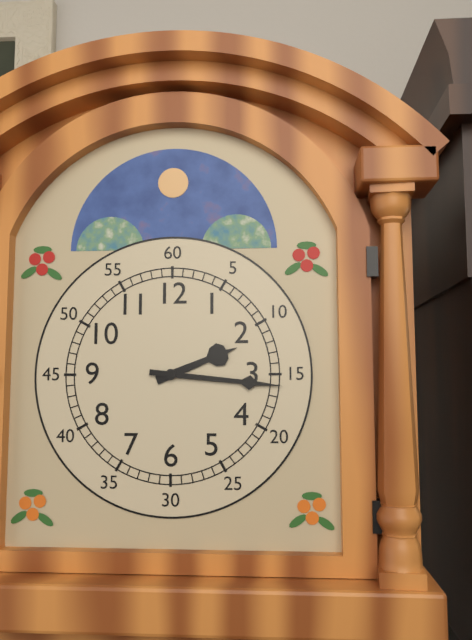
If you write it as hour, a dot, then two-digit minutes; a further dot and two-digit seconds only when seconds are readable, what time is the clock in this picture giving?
2.16
